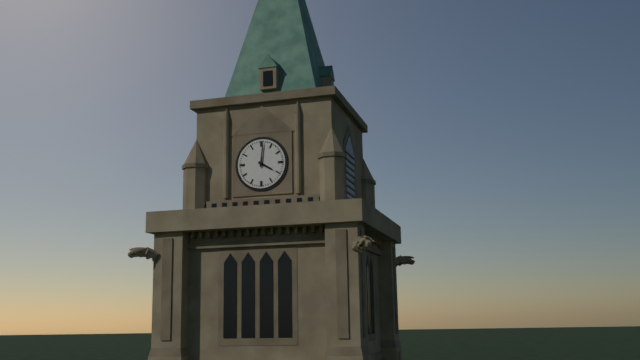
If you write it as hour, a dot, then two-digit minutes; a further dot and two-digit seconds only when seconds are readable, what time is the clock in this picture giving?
4.01
